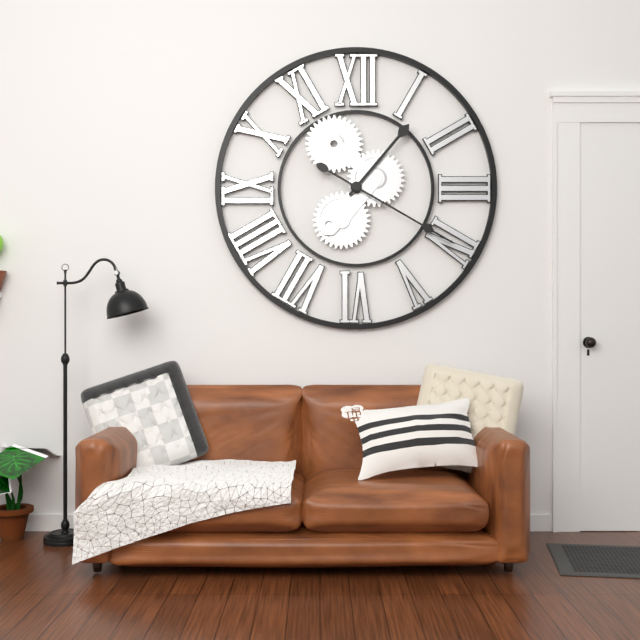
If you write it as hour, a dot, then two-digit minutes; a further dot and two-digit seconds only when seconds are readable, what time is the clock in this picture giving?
1.20
